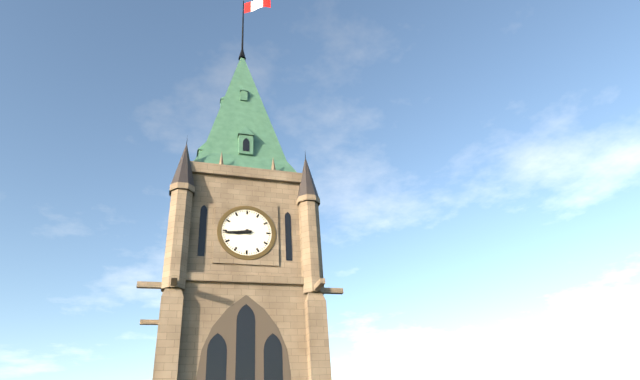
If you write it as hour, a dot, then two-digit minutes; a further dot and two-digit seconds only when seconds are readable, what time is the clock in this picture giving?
8.44
